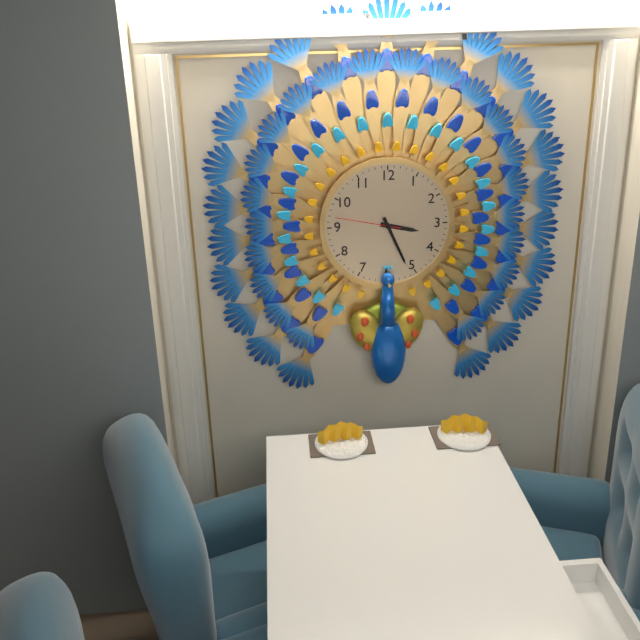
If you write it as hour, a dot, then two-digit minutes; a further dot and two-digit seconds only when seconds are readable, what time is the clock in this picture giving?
3.26.47
